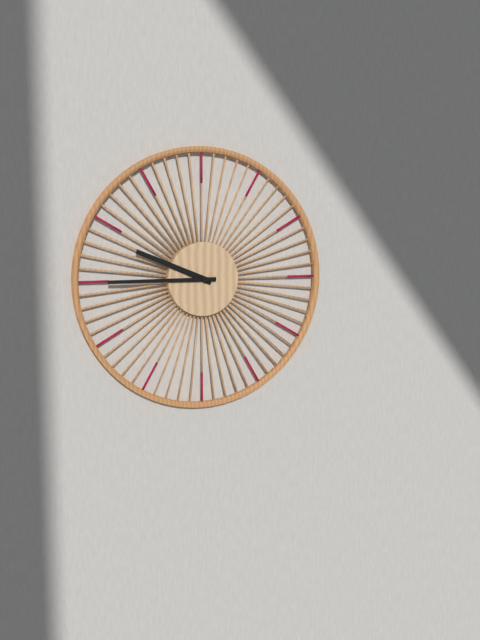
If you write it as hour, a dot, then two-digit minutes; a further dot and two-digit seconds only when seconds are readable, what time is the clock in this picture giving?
9.45
